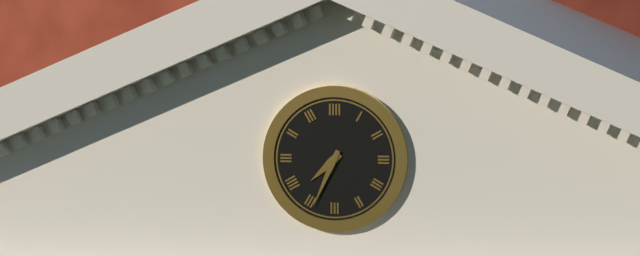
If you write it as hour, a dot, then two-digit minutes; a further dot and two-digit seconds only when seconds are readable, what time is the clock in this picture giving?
7.34
